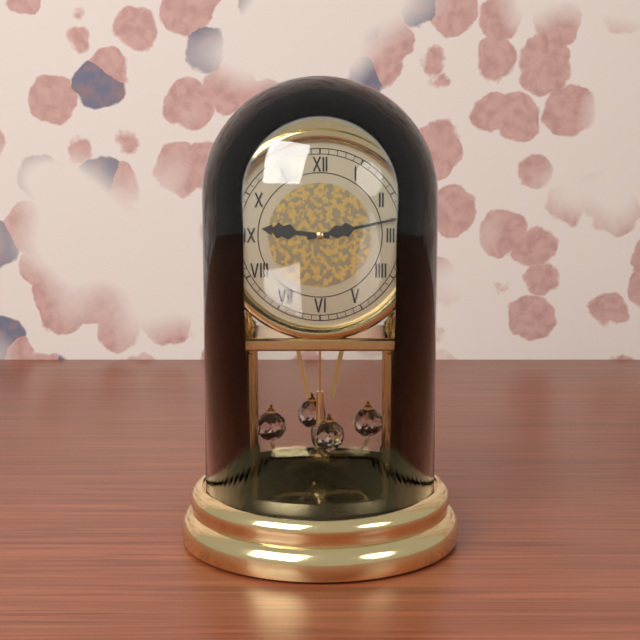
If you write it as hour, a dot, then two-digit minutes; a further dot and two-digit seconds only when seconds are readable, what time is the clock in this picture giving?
9.13
